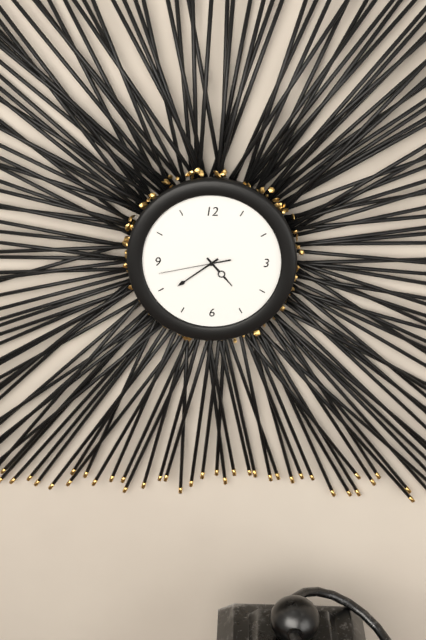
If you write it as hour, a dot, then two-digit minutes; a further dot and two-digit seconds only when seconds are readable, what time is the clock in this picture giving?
4.39.43
